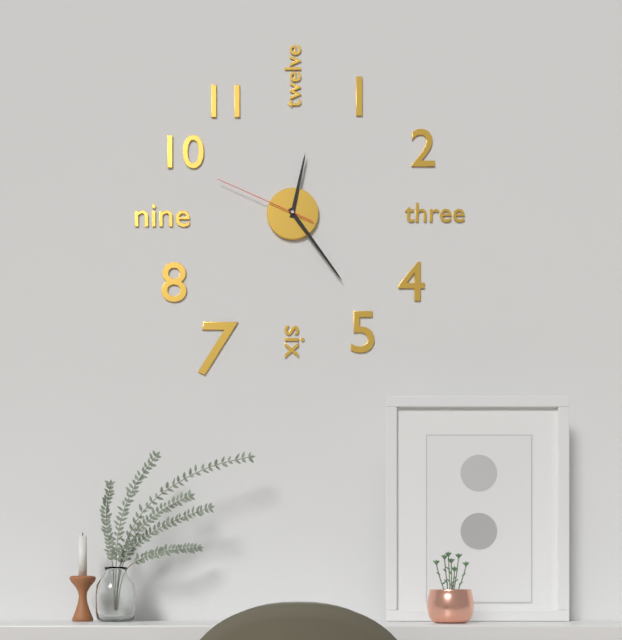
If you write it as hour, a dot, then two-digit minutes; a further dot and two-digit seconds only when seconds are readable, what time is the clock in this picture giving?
12.24.49
